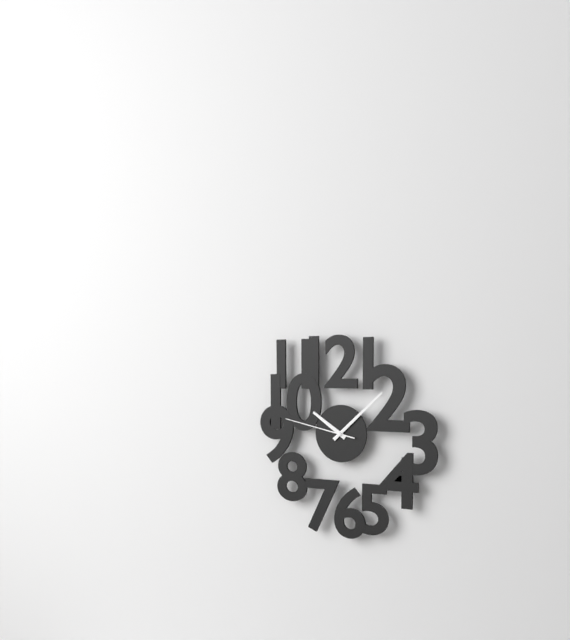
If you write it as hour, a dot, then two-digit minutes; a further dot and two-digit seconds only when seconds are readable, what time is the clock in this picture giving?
10.08.47
